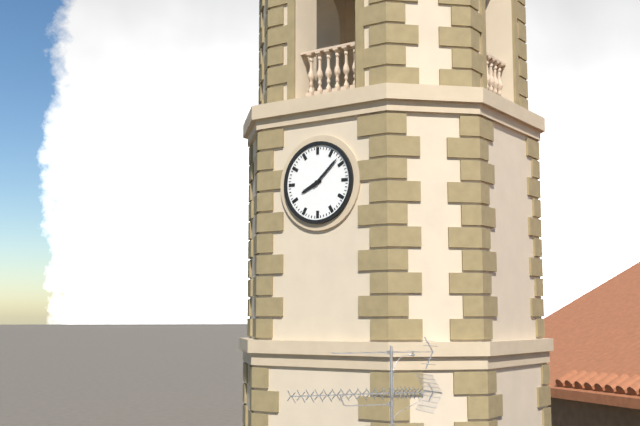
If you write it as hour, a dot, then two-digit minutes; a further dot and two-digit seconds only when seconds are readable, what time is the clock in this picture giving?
8.08
